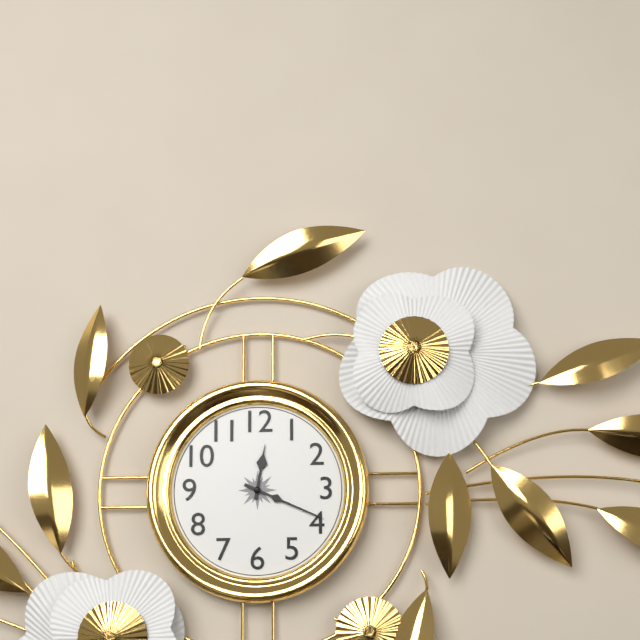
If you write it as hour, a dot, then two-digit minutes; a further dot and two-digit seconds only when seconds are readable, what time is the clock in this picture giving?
12.19
